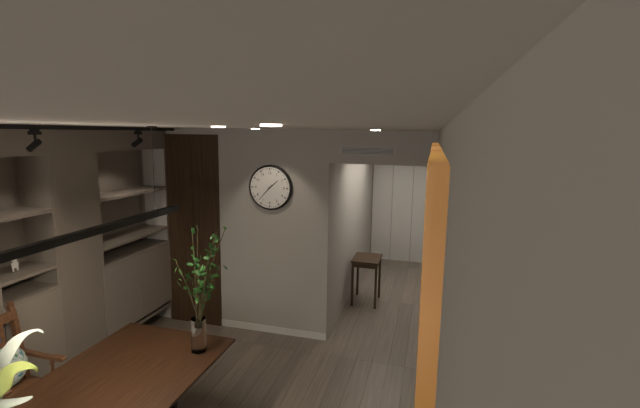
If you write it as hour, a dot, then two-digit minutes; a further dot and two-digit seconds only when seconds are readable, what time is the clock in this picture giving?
1.37
